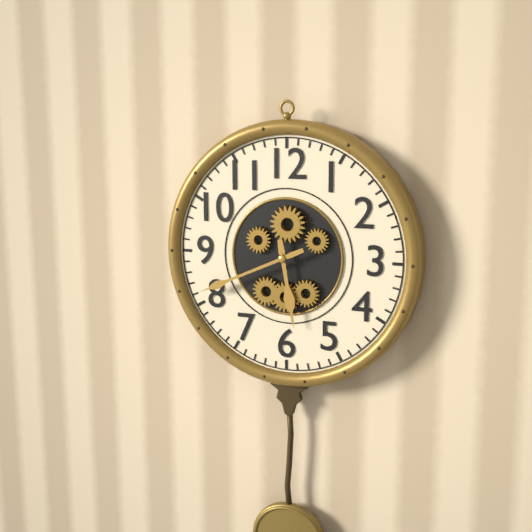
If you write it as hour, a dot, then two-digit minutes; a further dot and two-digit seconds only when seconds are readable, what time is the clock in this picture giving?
5.41
